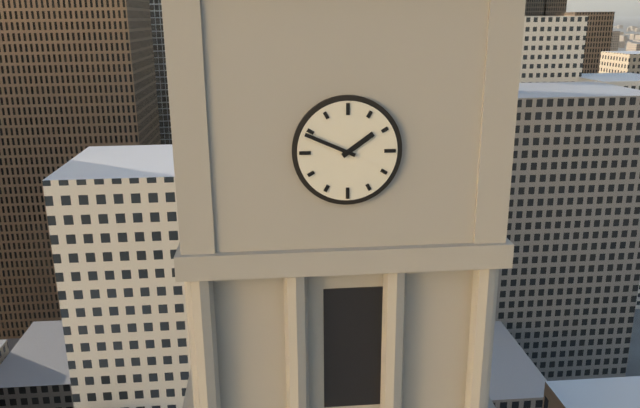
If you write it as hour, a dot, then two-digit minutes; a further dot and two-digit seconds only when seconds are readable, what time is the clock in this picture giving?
1.49
